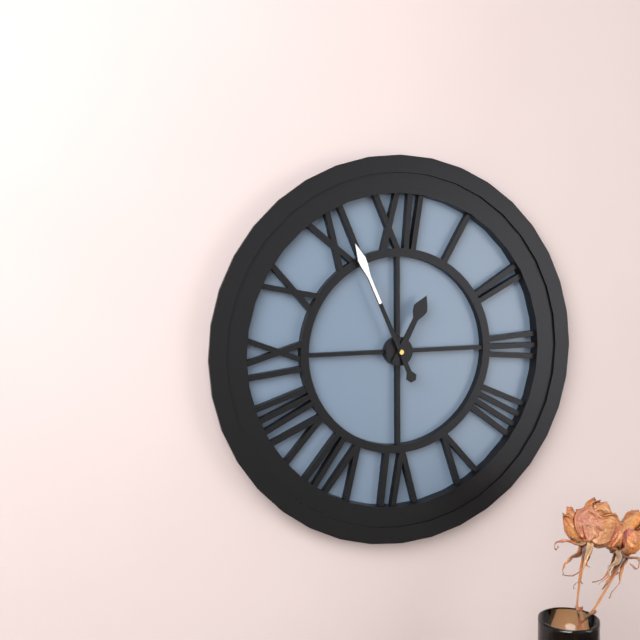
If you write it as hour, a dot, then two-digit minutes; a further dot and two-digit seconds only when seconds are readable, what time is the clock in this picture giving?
12.56
